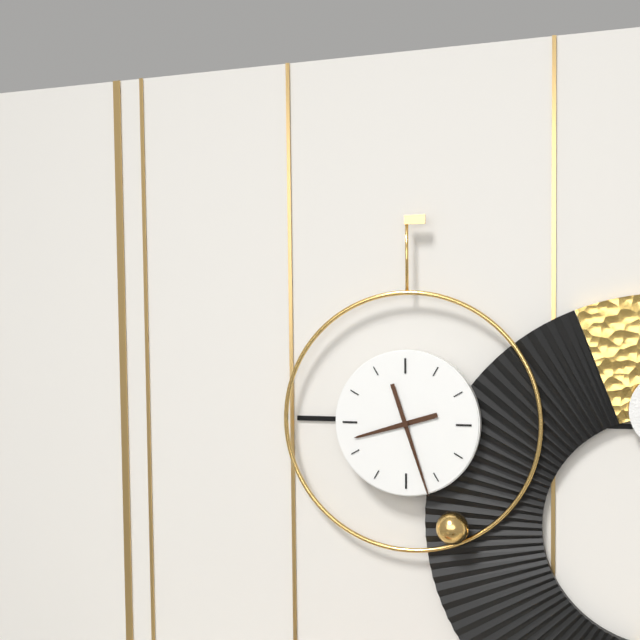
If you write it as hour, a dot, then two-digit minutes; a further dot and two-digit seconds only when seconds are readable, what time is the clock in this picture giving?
8.27
